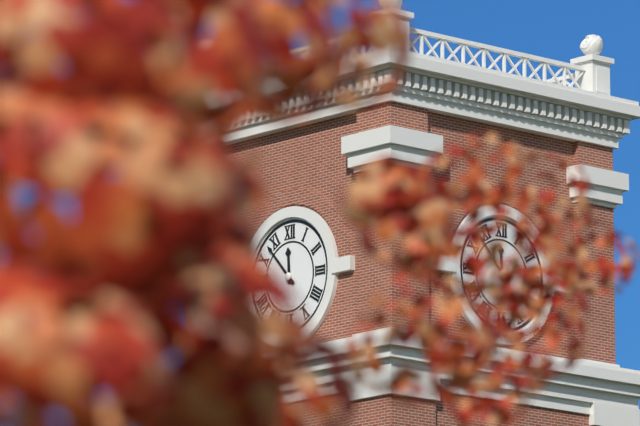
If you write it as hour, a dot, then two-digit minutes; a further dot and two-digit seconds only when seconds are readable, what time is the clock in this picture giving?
11.53
